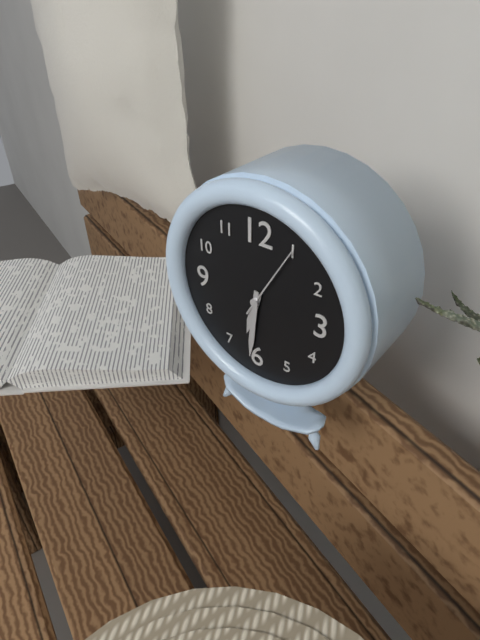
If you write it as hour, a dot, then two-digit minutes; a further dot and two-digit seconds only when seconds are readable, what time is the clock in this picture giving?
6.31.05
